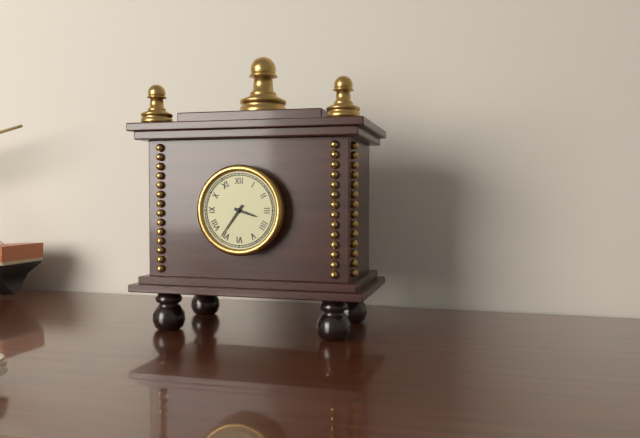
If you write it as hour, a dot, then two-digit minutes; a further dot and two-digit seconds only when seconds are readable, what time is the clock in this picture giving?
3.36
